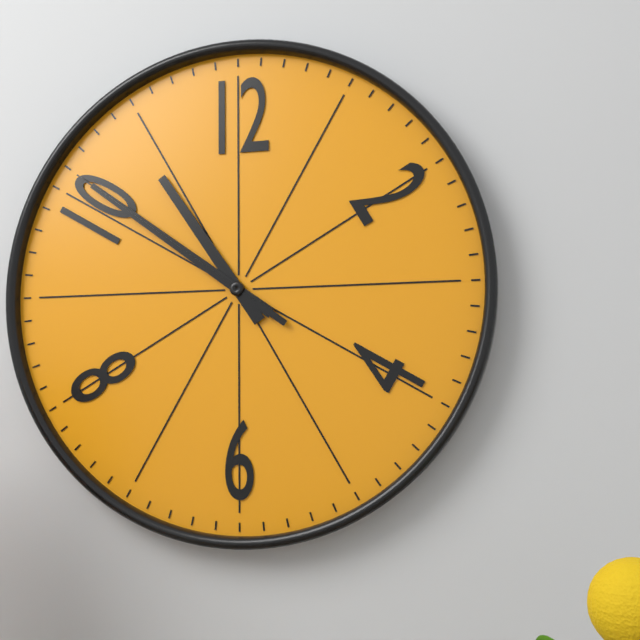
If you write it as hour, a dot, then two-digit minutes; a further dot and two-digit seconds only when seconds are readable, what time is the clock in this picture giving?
10.51.51
